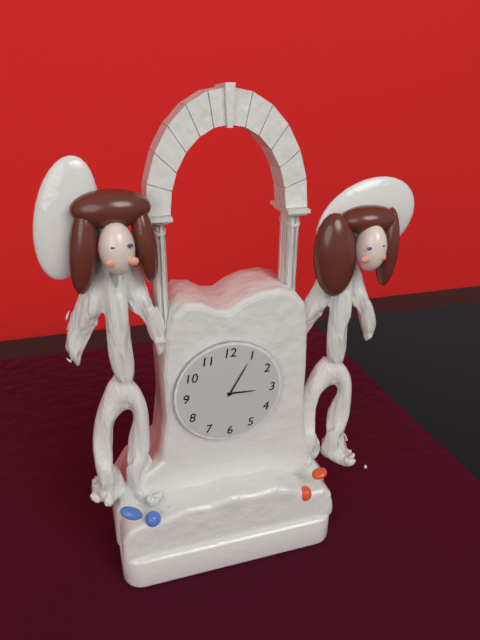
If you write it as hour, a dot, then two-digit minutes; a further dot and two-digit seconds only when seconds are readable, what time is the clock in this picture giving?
3.05
